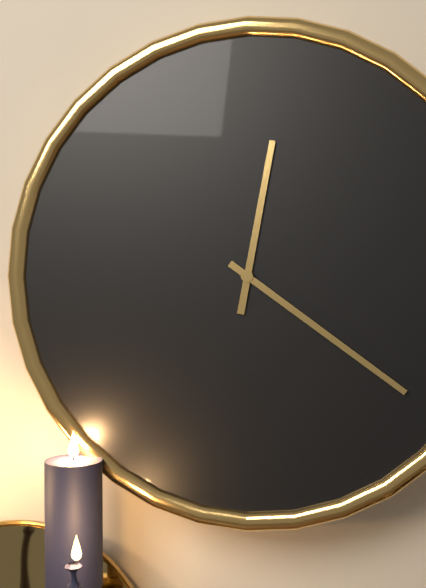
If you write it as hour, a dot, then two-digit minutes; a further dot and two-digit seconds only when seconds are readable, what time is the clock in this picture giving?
12.21
